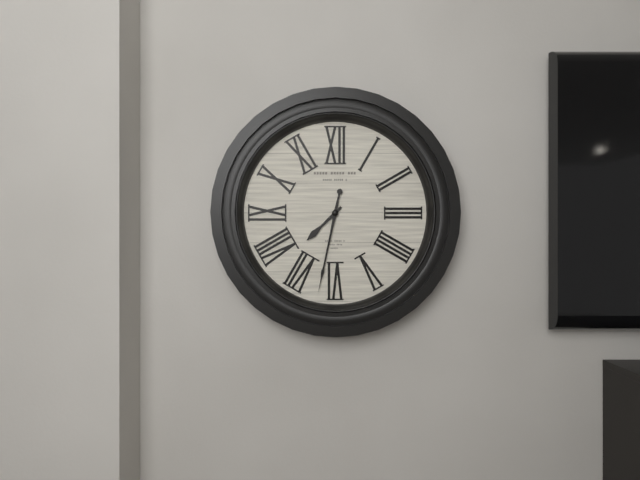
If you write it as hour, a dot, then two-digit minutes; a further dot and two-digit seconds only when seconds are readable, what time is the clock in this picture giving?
7.32
